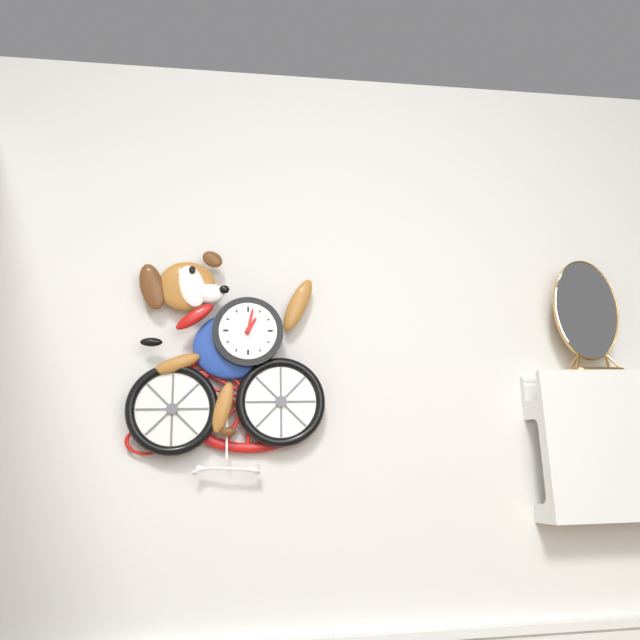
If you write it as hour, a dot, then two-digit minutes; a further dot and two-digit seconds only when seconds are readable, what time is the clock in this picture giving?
1.02
